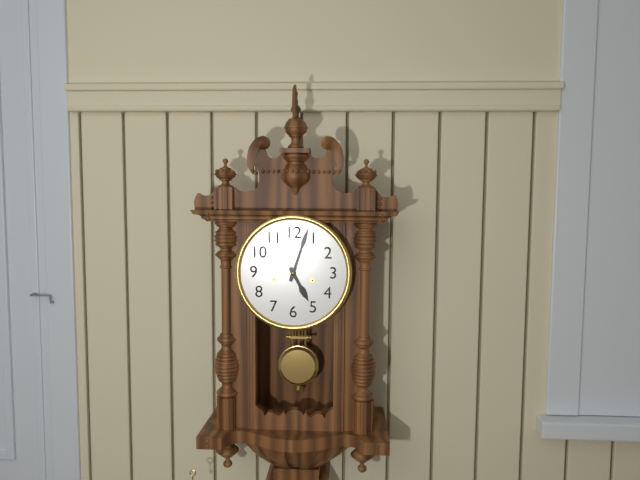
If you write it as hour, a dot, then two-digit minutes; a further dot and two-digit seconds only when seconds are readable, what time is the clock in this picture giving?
5.03
